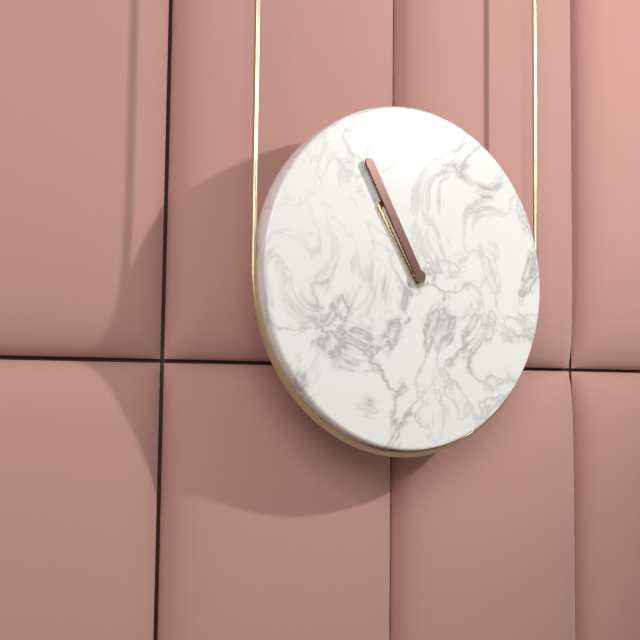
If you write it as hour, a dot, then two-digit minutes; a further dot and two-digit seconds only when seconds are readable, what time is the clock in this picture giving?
10.55
